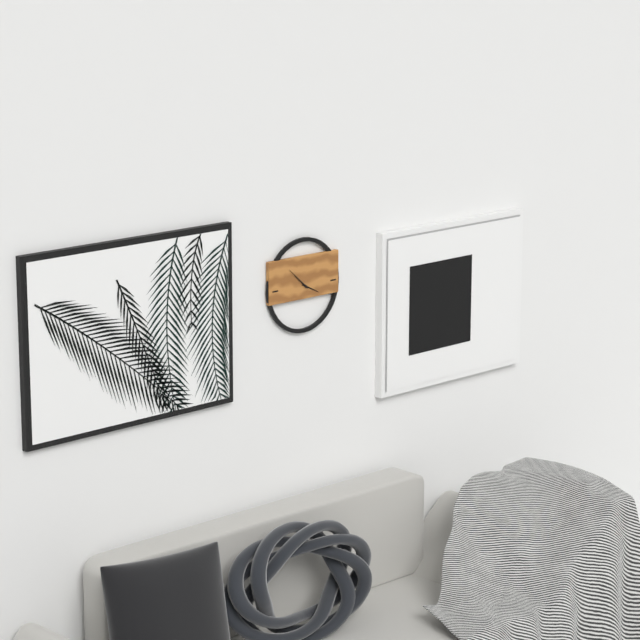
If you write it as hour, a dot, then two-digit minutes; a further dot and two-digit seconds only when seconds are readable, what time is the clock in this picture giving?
3.52
